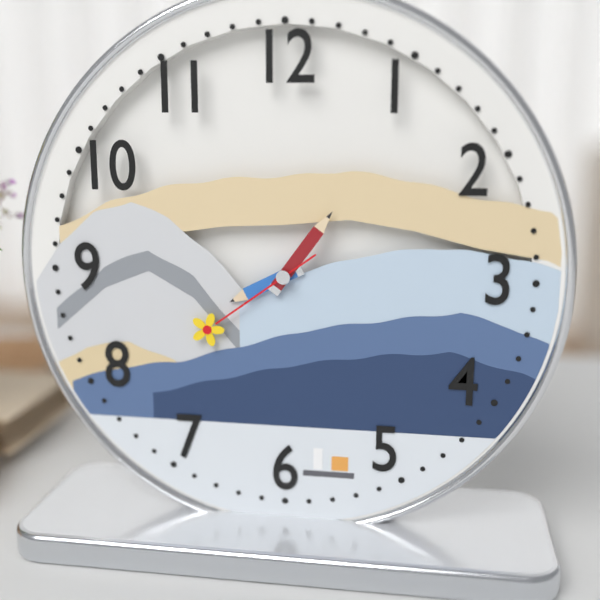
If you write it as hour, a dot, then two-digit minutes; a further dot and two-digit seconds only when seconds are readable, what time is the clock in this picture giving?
8.06.39
